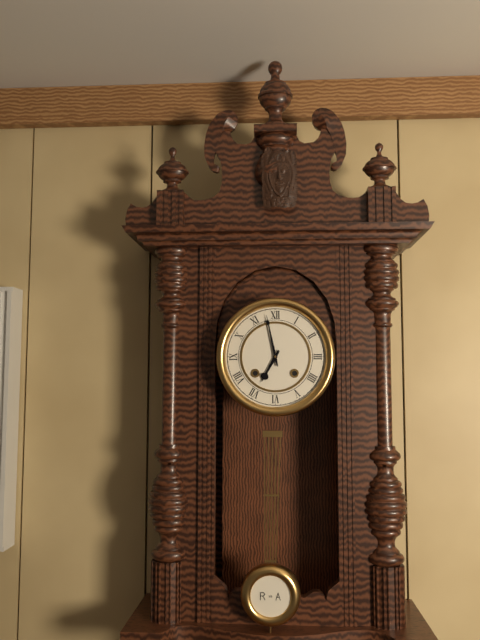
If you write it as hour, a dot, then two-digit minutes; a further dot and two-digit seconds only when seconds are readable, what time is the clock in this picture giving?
6.58
